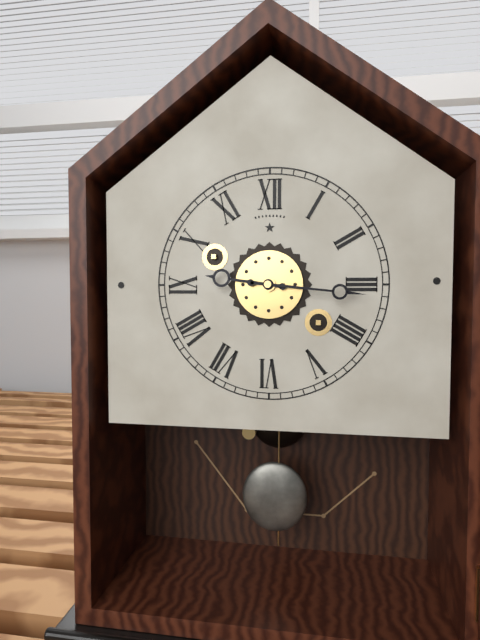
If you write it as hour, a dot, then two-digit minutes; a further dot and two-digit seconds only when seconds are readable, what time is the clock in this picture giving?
9.16
